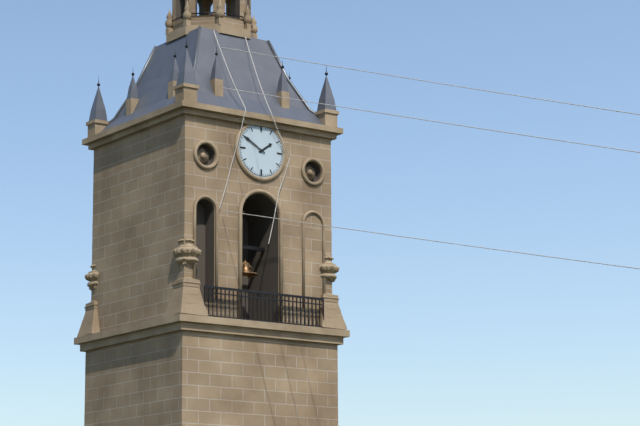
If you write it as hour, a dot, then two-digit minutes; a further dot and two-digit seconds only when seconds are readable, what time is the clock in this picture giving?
1.50
